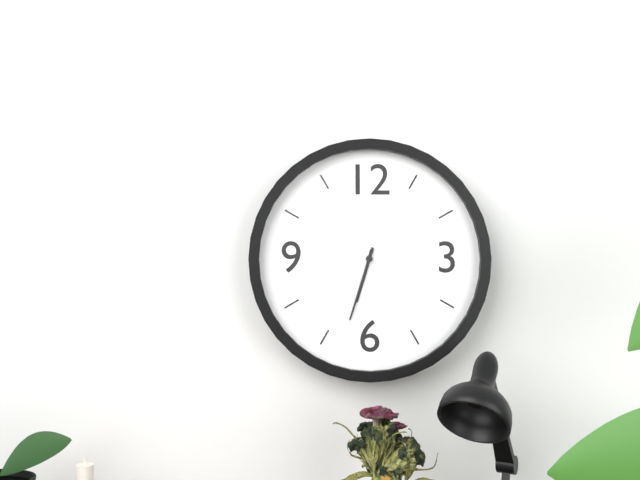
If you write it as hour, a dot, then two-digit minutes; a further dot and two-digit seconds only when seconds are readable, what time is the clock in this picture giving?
6.33
